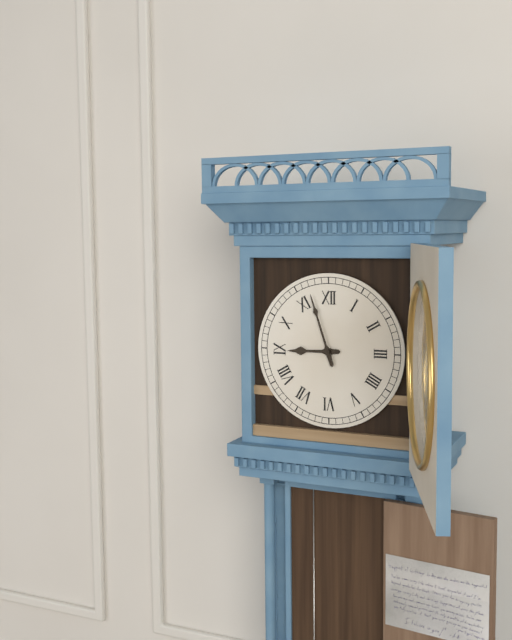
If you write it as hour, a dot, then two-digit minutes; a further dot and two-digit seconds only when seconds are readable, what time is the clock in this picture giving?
8.57
